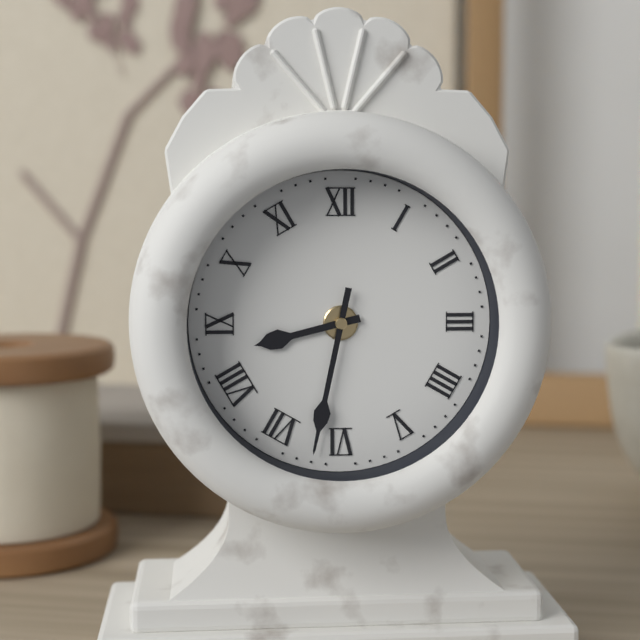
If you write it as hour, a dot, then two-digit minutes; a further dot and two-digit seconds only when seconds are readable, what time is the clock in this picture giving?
8.32
